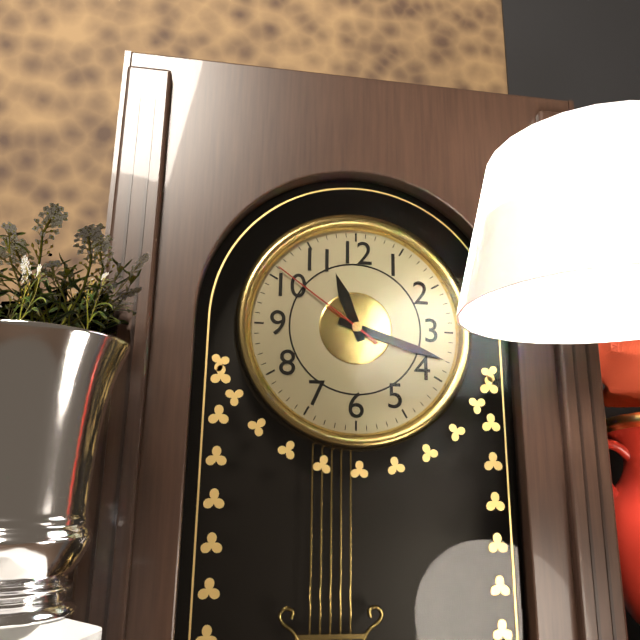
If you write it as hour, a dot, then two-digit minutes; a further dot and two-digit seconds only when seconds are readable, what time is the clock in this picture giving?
11.18.51
